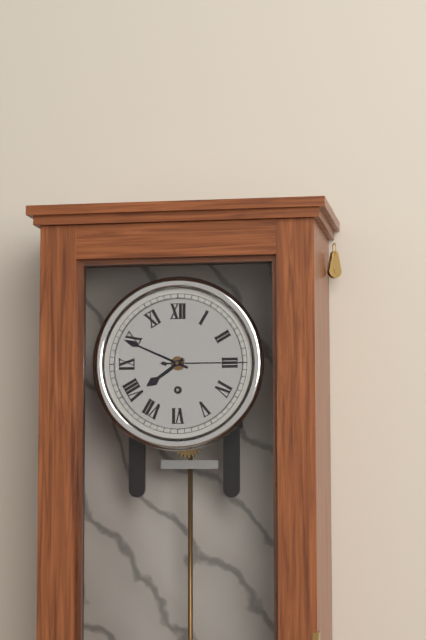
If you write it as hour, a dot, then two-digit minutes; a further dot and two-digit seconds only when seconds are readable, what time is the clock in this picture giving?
7.49.15
